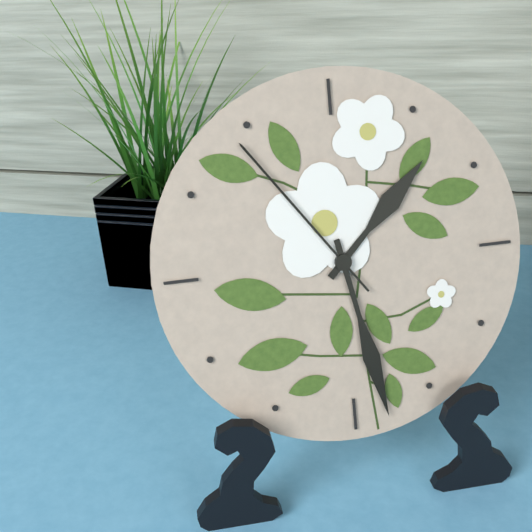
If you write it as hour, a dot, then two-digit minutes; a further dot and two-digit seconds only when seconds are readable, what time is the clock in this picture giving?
1.28.54
